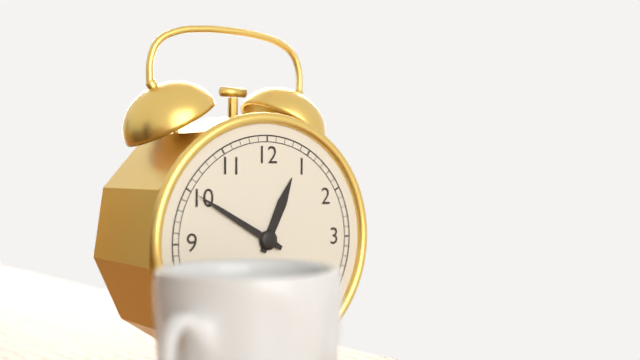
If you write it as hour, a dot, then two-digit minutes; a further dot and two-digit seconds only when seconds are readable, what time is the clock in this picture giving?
12.50
